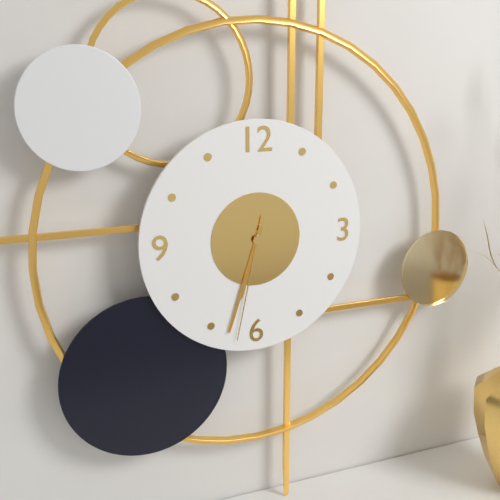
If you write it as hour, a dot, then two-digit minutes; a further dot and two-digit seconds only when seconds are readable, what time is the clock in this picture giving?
6.33.32
